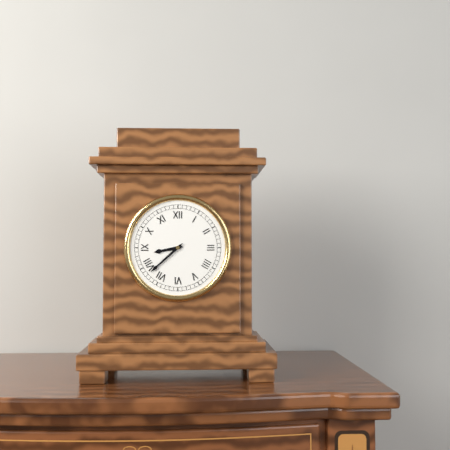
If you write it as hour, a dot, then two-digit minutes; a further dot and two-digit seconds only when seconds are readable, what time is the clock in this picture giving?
8.38
